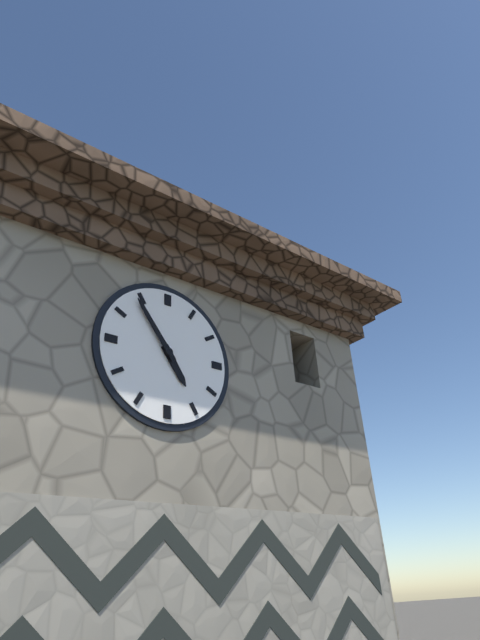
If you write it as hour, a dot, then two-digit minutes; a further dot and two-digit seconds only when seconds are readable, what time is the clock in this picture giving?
4.54
